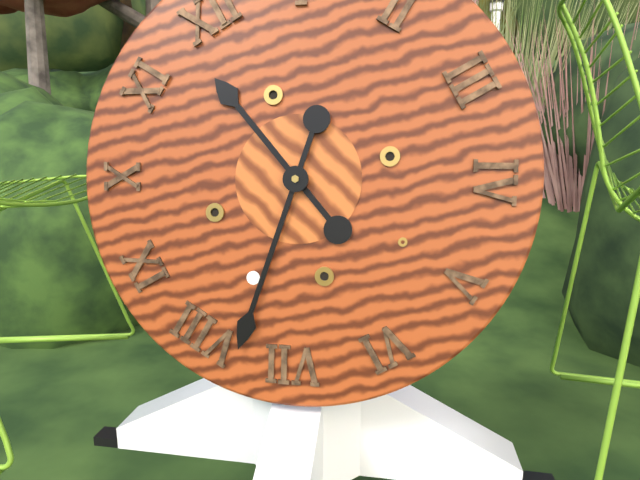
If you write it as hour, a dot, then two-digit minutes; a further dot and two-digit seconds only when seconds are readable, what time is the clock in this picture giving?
11.38
